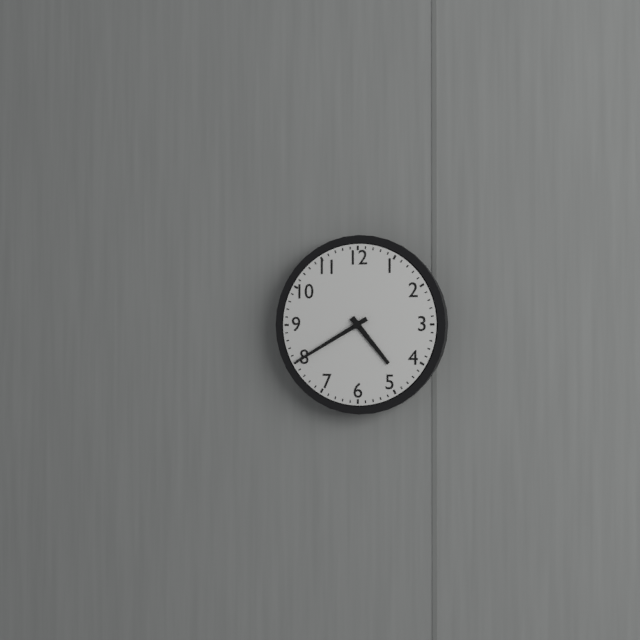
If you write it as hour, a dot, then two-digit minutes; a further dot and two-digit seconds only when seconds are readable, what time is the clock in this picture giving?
4.40
